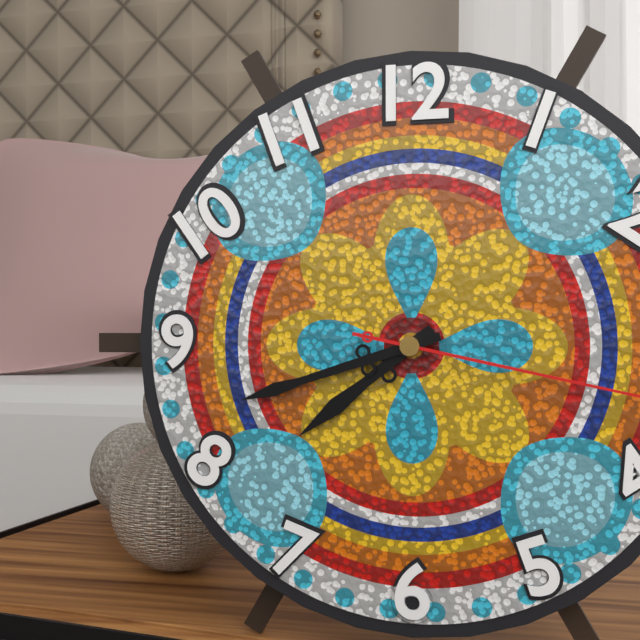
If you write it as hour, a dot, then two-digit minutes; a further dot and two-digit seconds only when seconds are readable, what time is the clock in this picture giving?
7.42
